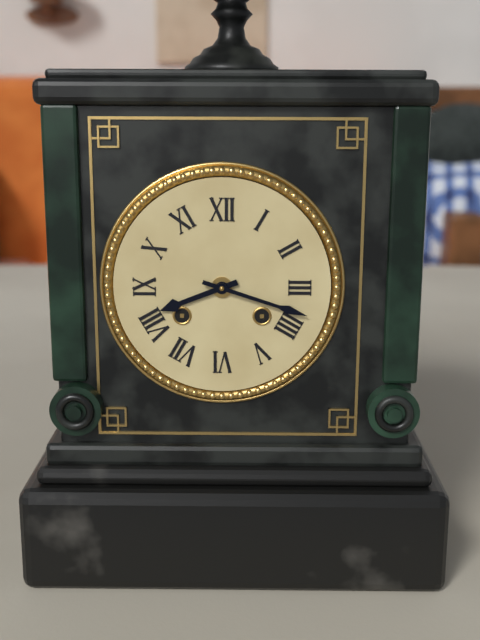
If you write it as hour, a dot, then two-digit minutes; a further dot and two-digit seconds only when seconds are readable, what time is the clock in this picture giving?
8.18
